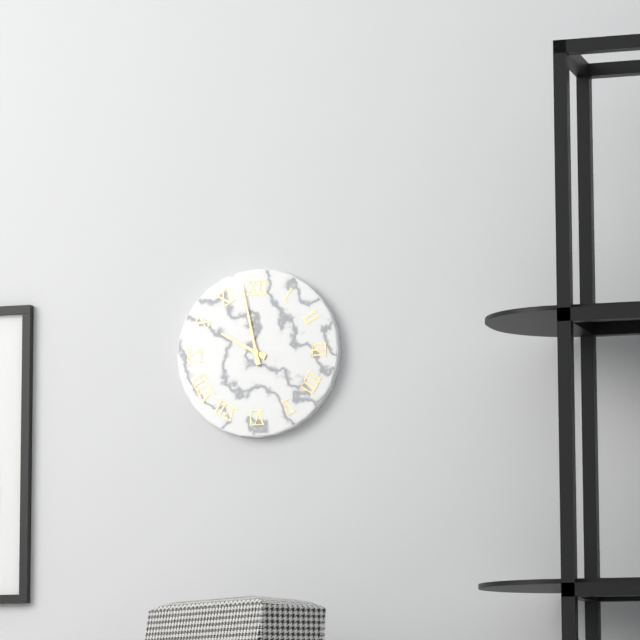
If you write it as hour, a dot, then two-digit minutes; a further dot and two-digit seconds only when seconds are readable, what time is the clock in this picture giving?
9.58
